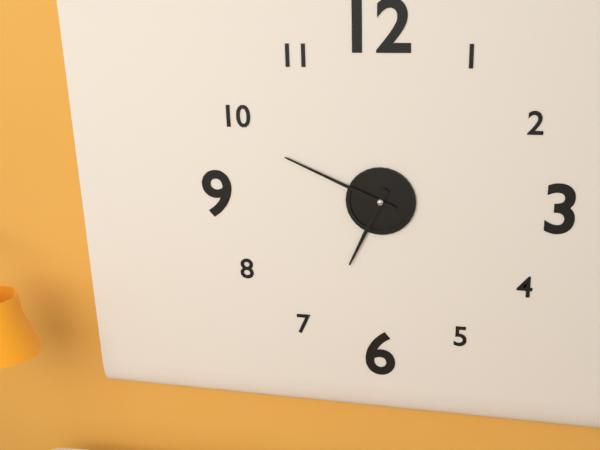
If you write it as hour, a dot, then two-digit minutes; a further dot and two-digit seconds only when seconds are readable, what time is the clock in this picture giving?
6.49
